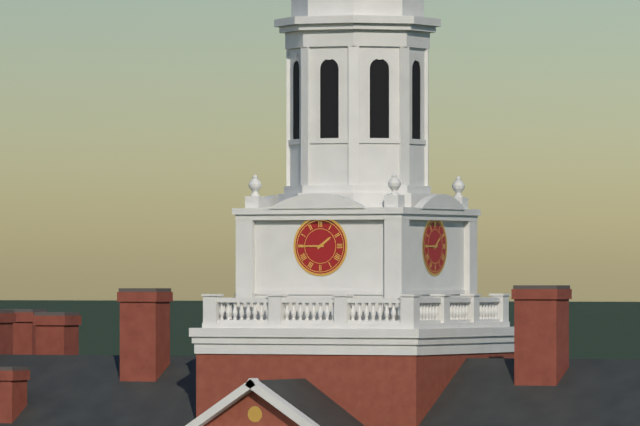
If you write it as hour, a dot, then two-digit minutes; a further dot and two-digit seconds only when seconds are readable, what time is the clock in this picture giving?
1.45
